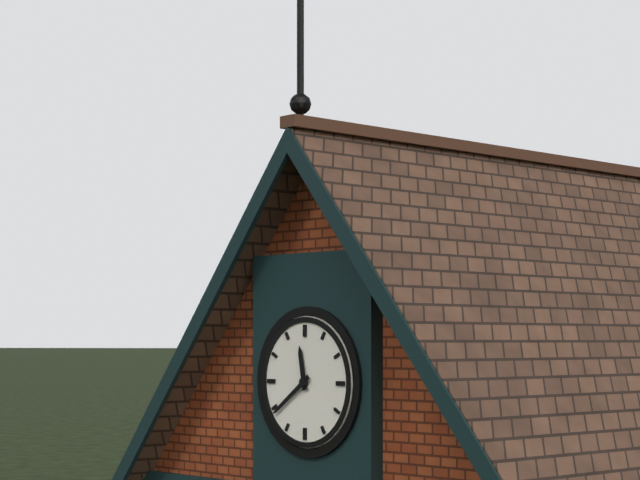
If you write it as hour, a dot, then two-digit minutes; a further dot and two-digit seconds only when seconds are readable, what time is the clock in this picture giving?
11.39
